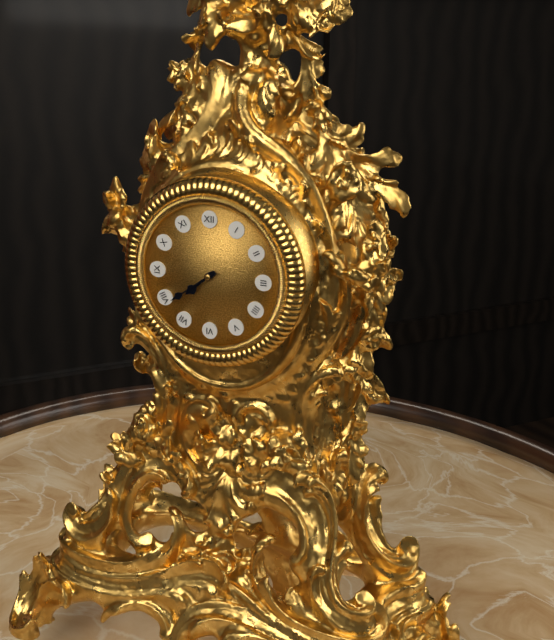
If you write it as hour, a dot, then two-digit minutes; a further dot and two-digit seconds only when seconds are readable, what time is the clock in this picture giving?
7.39
